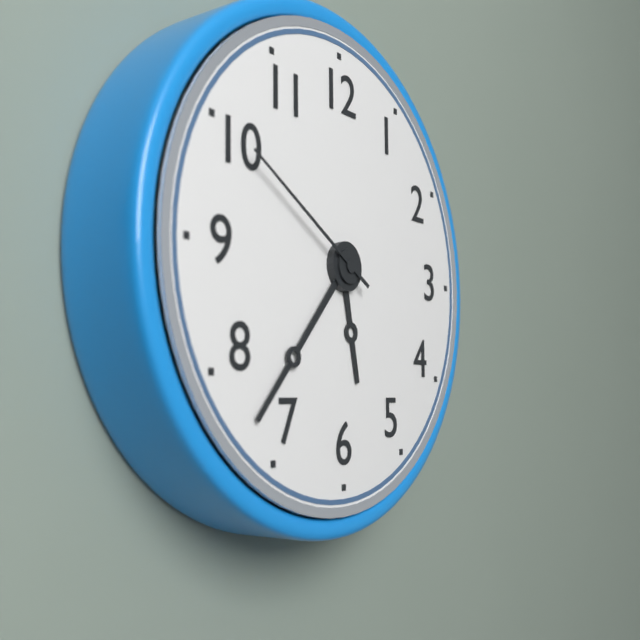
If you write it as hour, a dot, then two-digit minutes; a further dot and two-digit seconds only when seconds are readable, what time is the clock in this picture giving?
5.37.50
